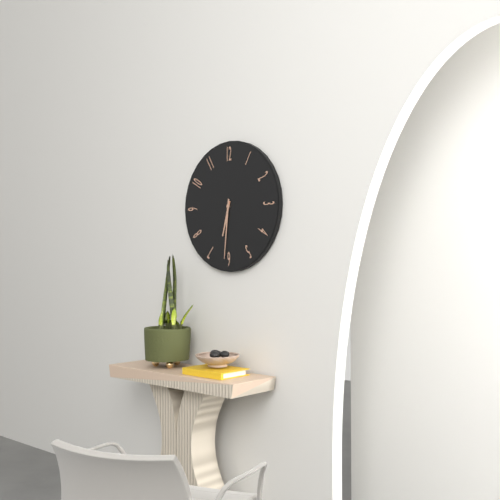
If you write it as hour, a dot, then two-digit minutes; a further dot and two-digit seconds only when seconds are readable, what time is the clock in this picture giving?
6.31
